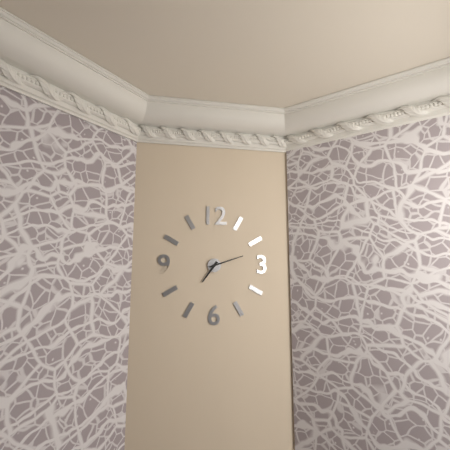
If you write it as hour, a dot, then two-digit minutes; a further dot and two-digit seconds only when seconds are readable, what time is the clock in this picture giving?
7.12
